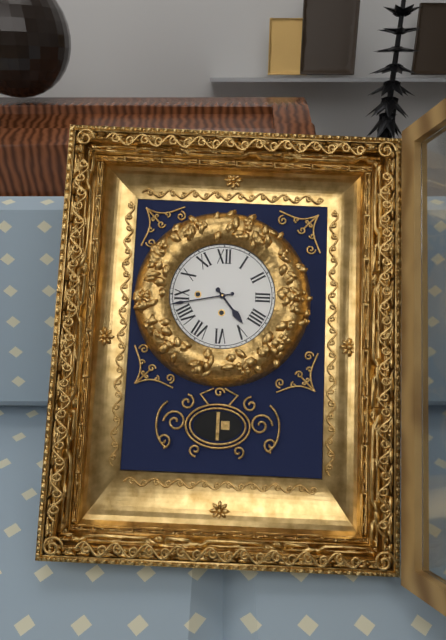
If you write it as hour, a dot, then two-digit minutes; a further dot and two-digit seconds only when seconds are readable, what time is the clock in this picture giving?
4.43
